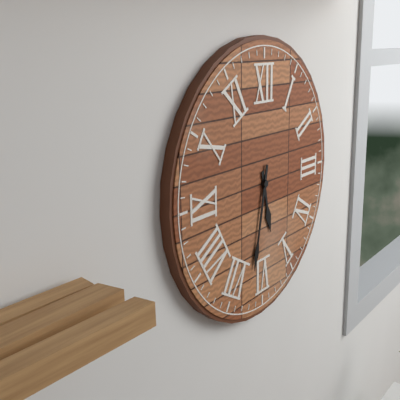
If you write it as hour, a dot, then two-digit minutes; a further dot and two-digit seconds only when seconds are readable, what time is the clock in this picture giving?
5.32
